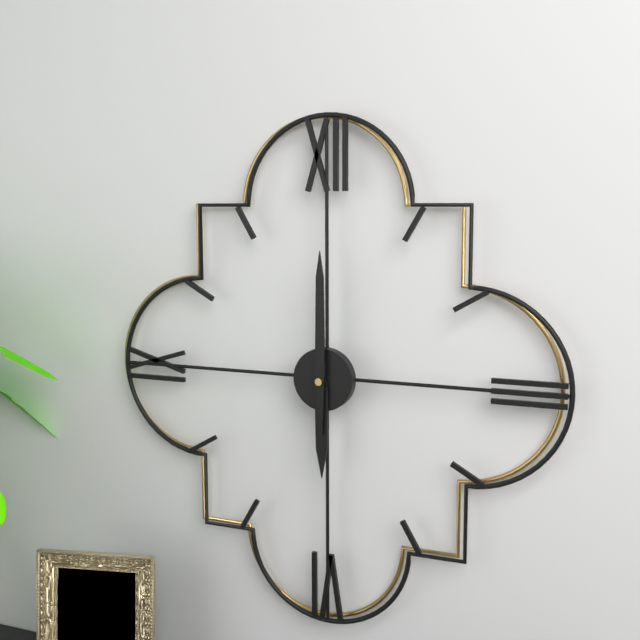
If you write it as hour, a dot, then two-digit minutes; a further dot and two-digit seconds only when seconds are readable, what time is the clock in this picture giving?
6.00
